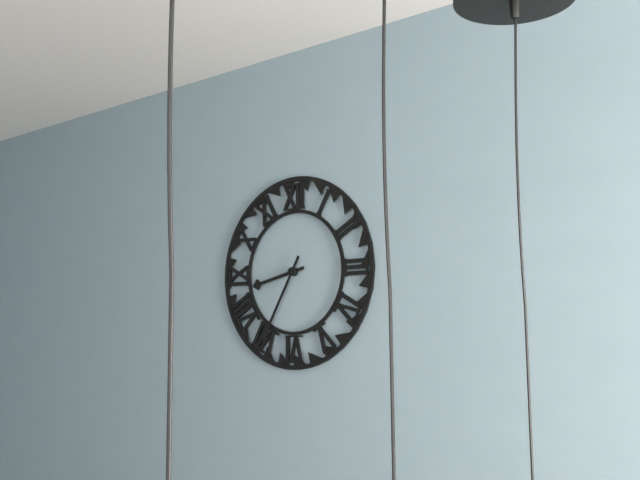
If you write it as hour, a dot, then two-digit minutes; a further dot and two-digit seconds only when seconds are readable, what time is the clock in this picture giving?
8.35
